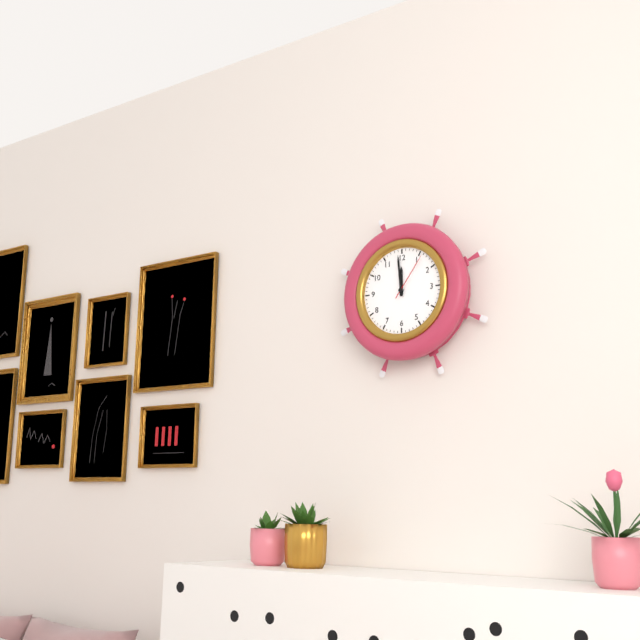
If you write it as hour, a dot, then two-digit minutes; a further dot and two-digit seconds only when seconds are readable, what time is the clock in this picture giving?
11.59.06
